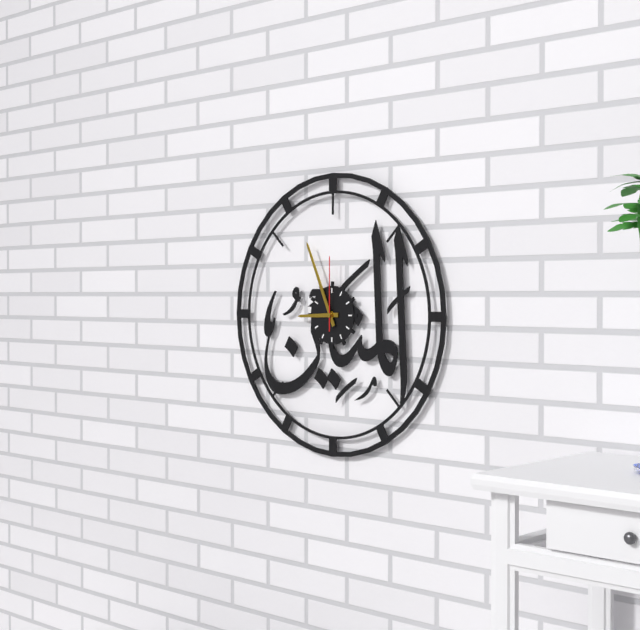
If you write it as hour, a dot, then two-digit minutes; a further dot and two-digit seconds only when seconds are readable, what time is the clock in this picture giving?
8.56.00
